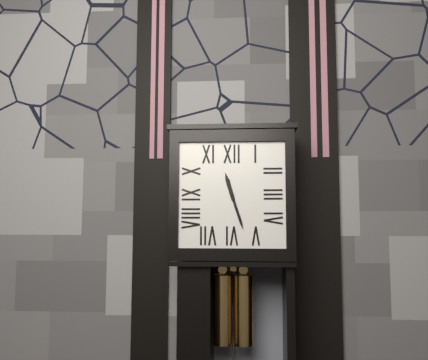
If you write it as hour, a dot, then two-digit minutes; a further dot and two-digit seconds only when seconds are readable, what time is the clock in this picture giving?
11.27
